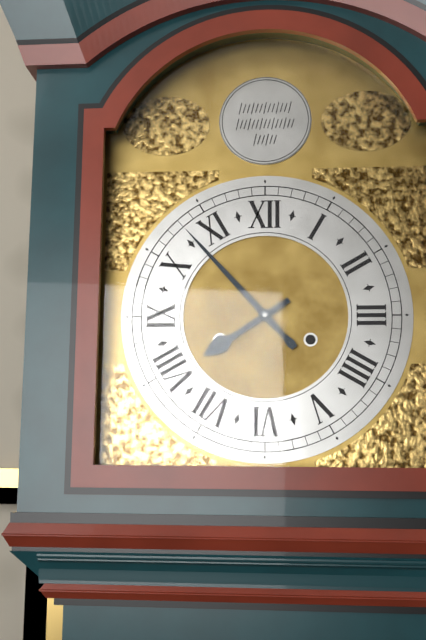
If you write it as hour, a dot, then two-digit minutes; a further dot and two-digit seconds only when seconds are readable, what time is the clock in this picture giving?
7.53
